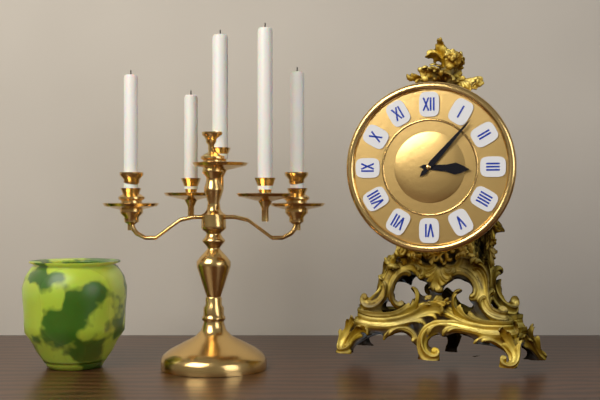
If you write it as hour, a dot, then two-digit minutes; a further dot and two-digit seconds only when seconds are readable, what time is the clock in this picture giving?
3.07
